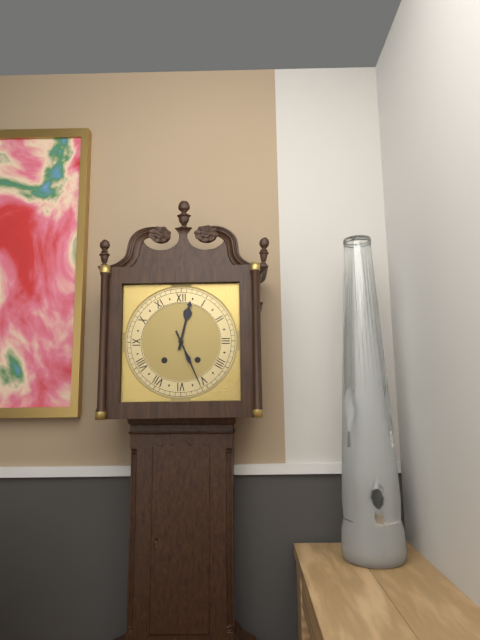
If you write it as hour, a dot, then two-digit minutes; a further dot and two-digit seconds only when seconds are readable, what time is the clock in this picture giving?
12.26
